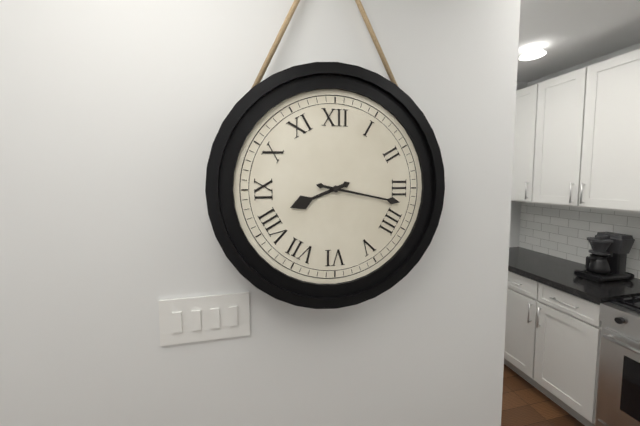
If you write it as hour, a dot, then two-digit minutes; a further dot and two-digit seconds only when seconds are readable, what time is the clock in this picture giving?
8.17
